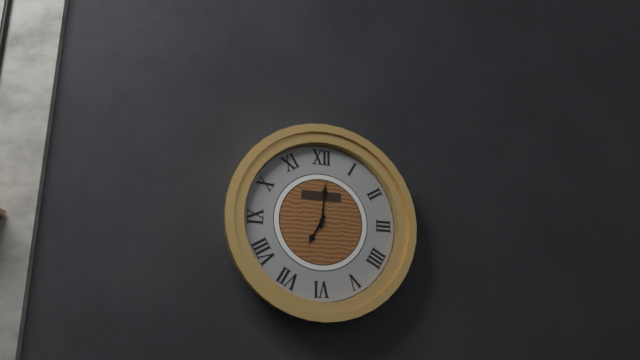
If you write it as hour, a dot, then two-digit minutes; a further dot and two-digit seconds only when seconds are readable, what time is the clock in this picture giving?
7.01
